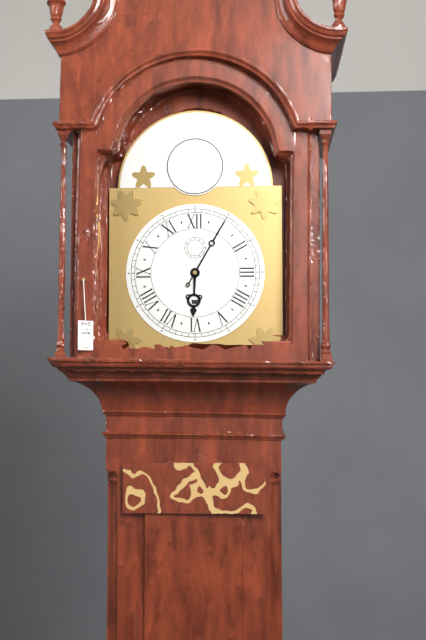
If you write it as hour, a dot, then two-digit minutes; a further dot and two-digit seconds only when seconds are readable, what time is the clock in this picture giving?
6.05
